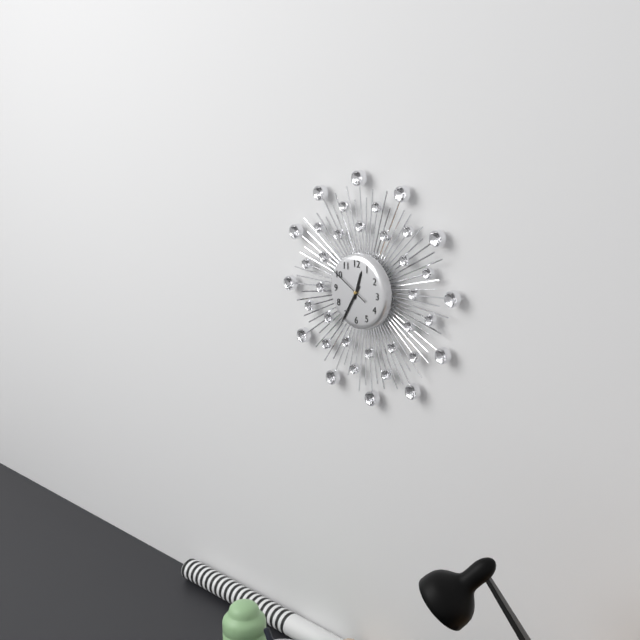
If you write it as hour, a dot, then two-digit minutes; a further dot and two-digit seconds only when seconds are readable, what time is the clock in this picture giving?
12.35
